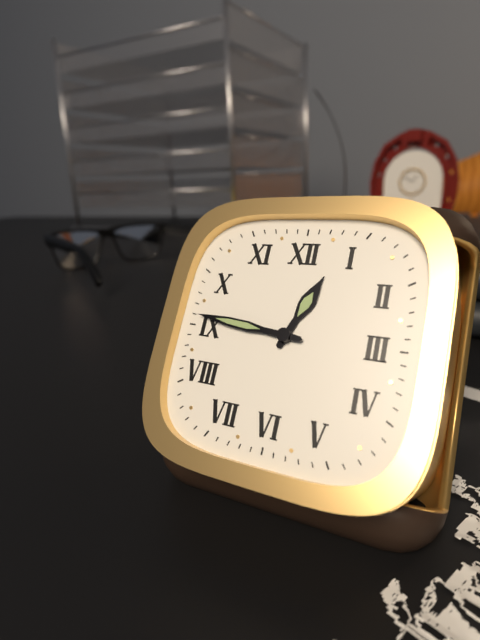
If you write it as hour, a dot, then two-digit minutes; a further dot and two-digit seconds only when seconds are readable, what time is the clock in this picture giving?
12.46
